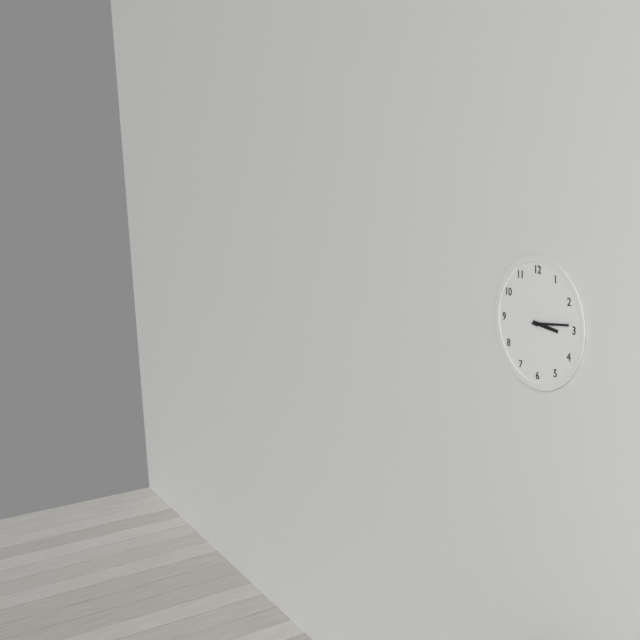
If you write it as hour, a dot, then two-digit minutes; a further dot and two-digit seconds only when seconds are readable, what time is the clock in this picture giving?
3.14
